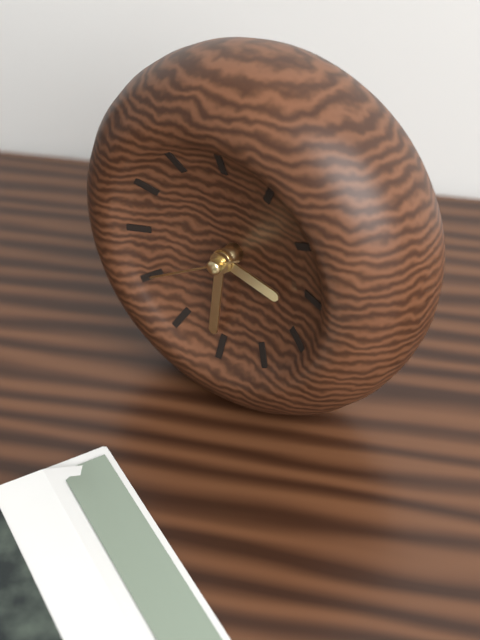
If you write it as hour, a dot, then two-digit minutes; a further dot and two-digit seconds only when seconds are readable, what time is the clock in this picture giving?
3.31.40
